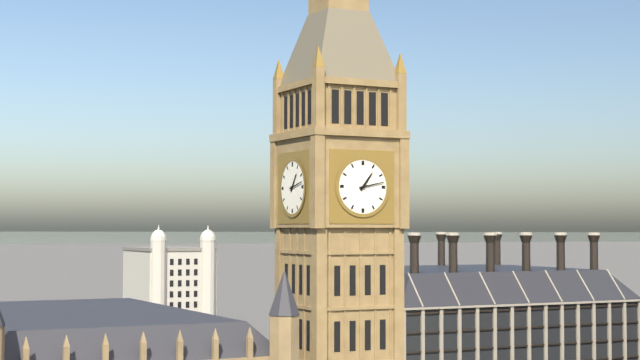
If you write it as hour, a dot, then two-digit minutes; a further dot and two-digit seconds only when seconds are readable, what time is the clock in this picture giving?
1.13
